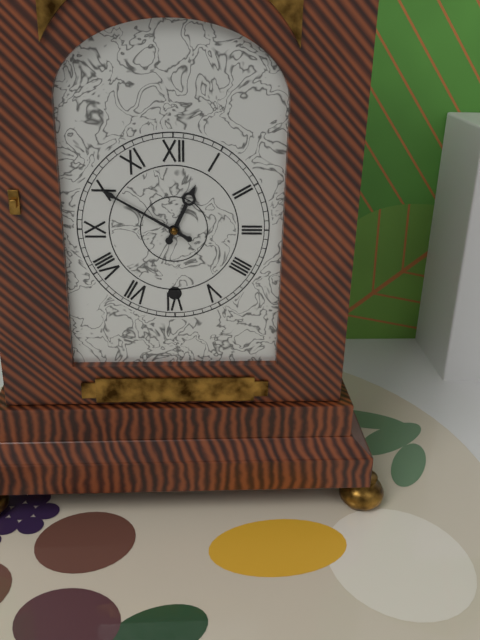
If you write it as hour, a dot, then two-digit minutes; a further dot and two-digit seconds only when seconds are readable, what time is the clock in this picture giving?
12.50
